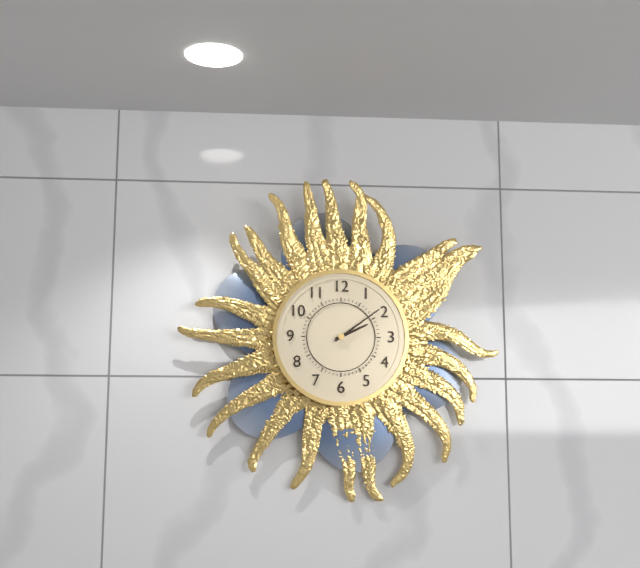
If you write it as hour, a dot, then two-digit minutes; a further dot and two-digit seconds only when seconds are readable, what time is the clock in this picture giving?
2.09
